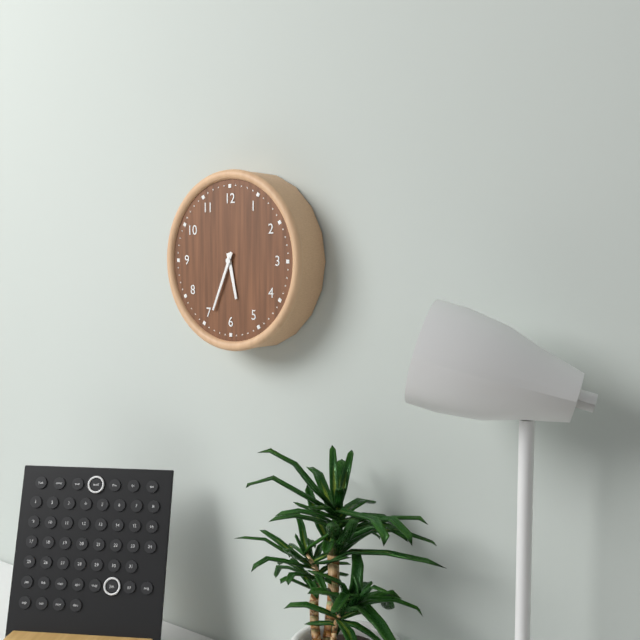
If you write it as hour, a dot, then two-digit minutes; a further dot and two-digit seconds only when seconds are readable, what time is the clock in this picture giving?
5.34
